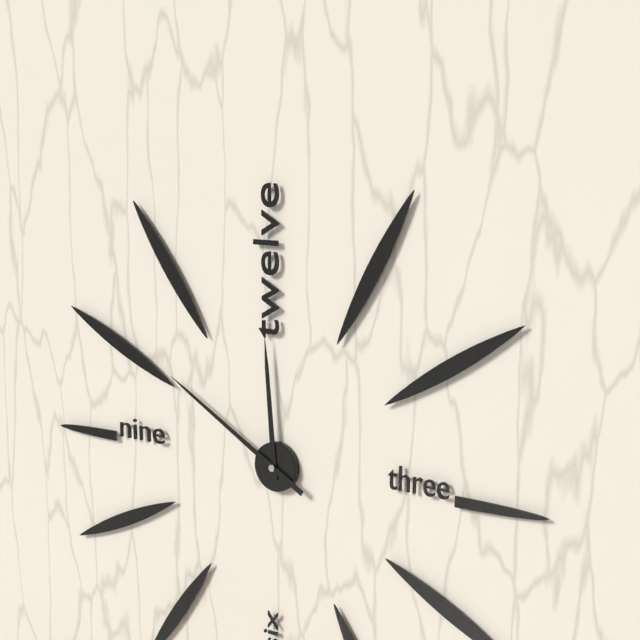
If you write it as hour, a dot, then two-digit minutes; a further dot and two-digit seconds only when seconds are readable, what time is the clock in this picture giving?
11.50
